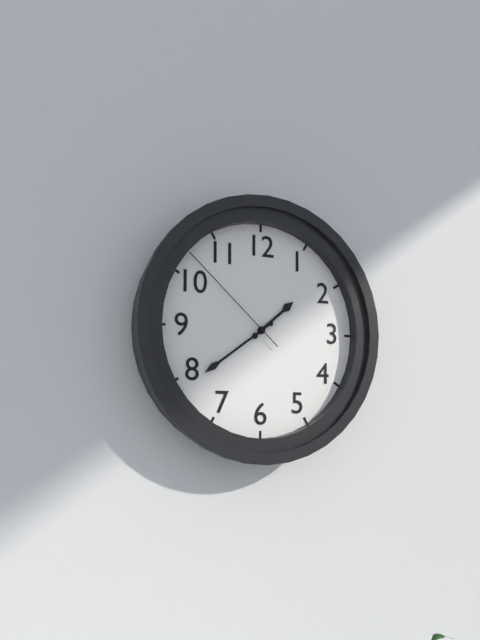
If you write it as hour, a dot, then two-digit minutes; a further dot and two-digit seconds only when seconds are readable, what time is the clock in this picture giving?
1.39.52
